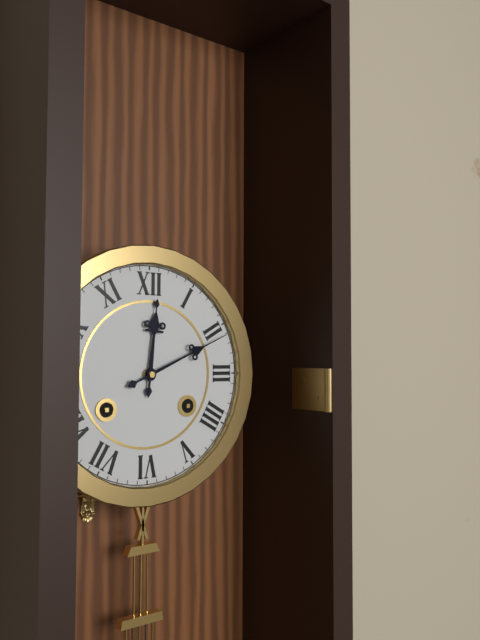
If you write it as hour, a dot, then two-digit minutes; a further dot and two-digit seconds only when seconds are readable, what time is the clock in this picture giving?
12.11
